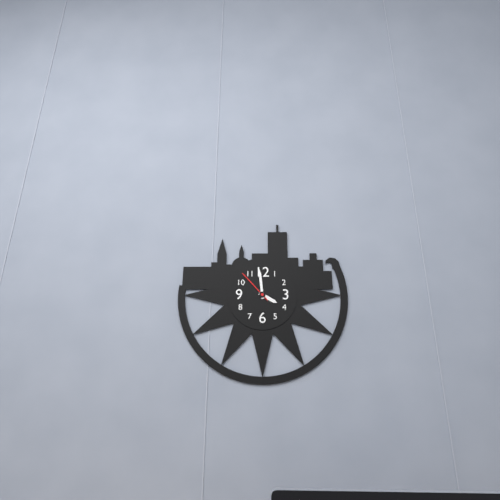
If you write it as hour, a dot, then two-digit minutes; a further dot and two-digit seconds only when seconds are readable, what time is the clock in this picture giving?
3.59
